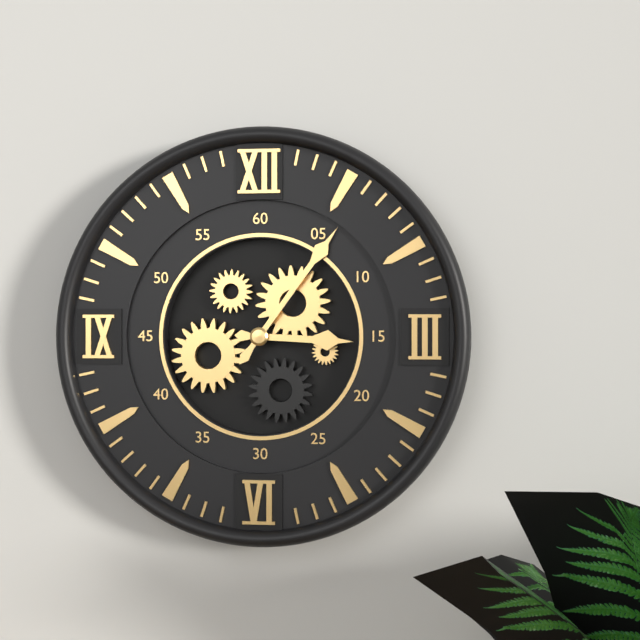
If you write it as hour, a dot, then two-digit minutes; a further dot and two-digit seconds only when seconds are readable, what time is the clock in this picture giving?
3.06
